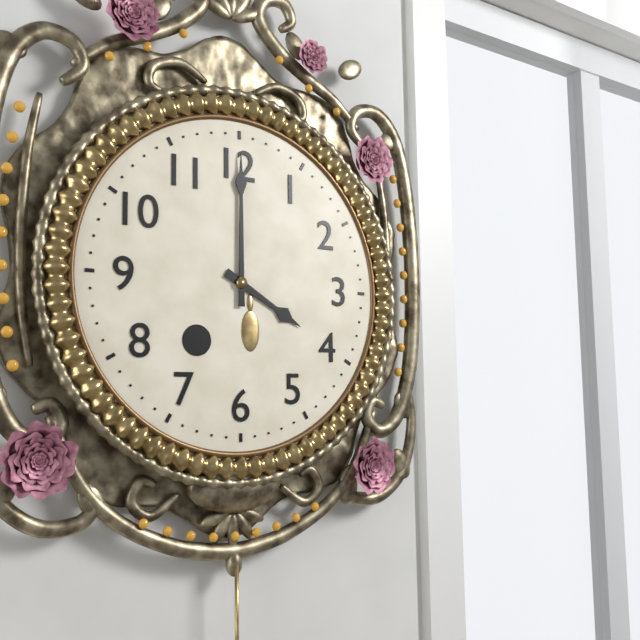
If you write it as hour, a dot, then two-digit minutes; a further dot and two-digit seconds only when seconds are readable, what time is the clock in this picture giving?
4.00
